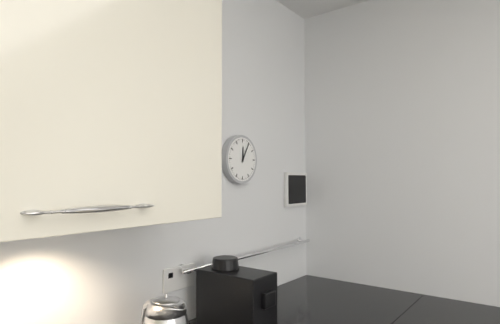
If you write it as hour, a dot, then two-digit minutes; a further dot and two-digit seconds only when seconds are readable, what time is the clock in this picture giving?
12.05
